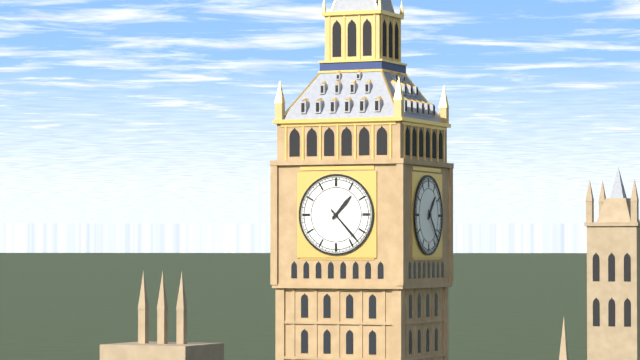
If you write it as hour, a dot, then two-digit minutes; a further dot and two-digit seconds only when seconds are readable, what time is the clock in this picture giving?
1.23
